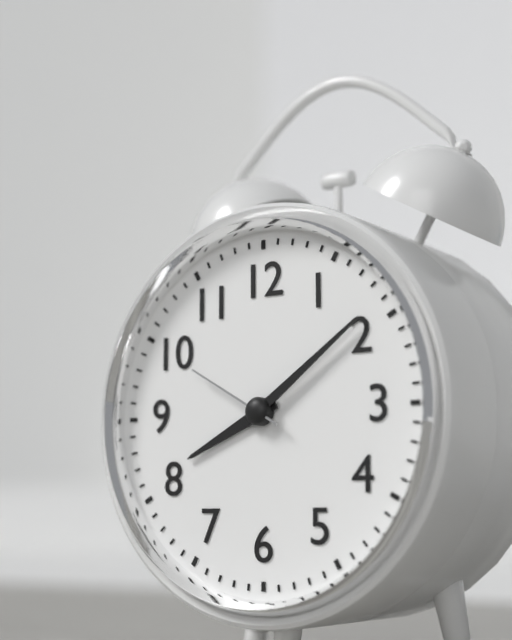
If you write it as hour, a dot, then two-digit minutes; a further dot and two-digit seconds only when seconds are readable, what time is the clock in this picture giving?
8.09.50
